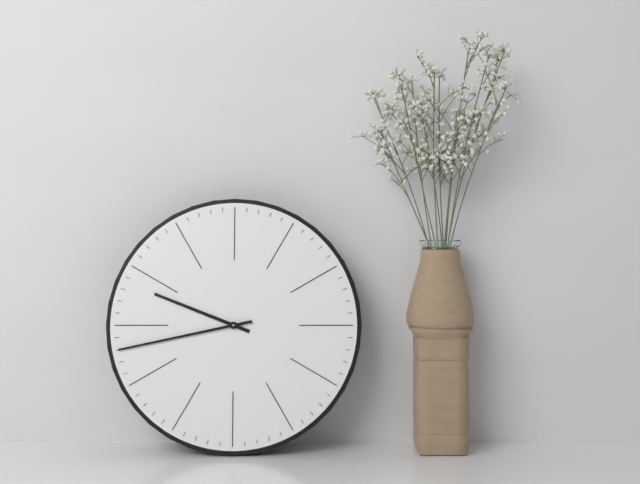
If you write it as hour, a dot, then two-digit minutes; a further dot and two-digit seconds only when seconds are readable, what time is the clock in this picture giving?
9.43
